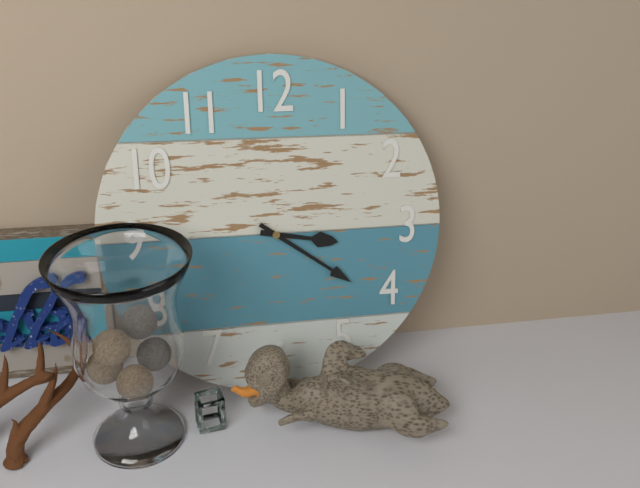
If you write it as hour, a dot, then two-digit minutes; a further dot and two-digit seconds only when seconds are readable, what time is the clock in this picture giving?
3.21
